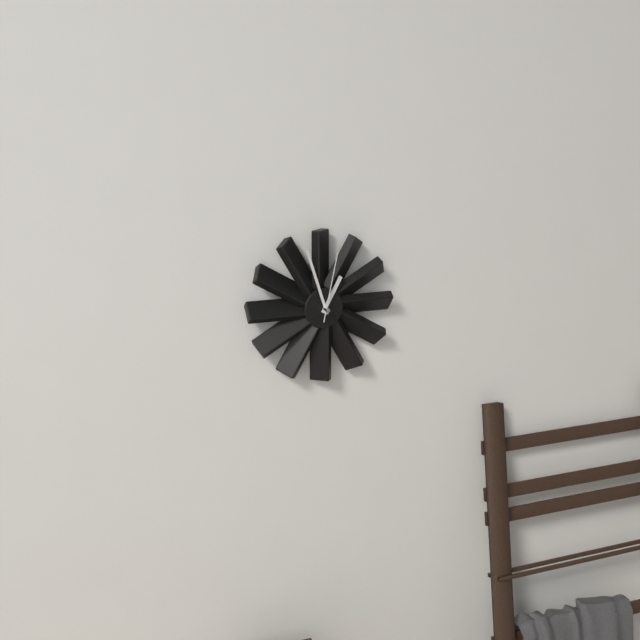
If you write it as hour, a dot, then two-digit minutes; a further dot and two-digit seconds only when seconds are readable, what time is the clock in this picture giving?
12.57.02
